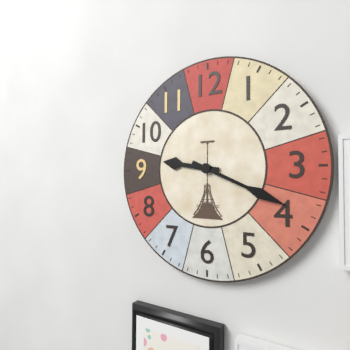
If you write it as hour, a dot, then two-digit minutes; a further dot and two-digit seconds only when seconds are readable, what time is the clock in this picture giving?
9.19
